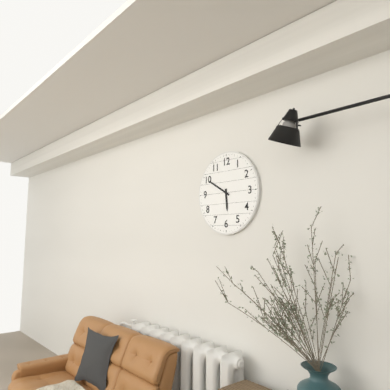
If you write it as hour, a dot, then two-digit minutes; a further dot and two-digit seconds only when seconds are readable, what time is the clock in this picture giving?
5.50
